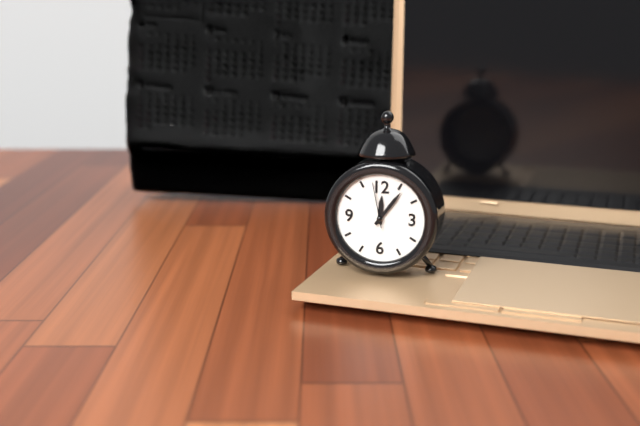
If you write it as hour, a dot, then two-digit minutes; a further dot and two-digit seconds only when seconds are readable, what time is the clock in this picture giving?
12.06
